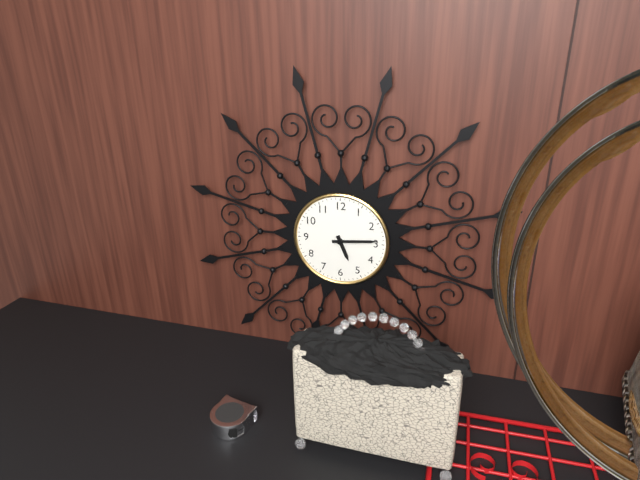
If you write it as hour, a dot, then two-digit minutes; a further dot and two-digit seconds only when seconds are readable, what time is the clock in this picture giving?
5.14
